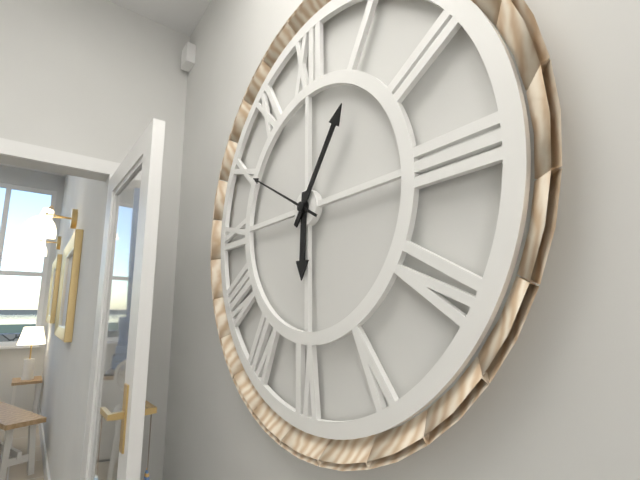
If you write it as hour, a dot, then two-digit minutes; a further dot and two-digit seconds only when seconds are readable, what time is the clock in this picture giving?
6.06.50
